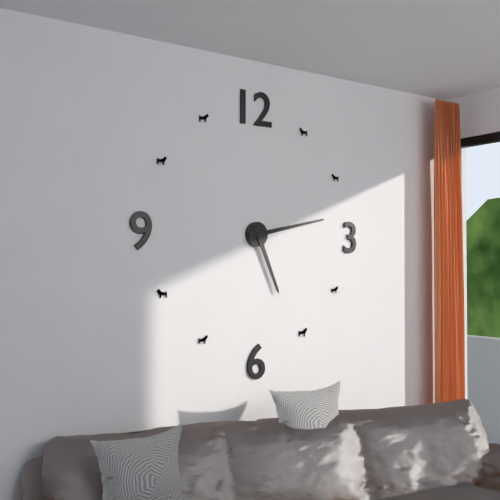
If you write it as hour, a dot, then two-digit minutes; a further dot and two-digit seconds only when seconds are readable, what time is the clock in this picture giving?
5.13
